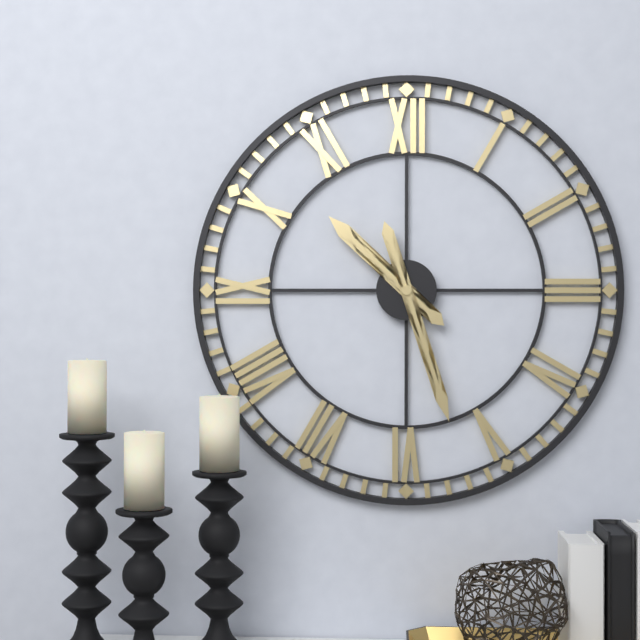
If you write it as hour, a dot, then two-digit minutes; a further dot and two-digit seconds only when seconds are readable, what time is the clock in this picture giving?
10.27
